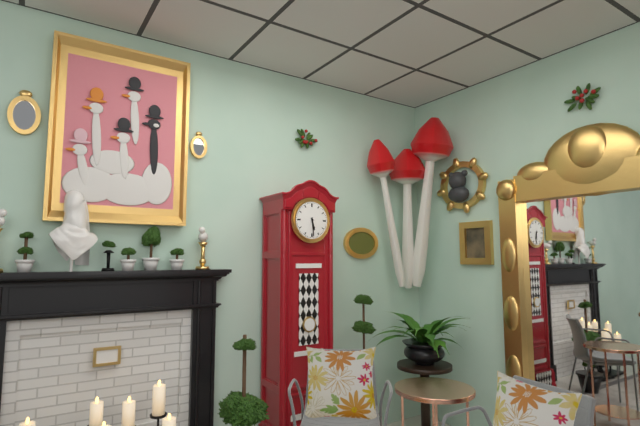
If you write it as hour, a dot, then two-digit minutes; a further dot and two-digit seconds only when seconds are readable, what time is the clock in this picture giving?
5.29
